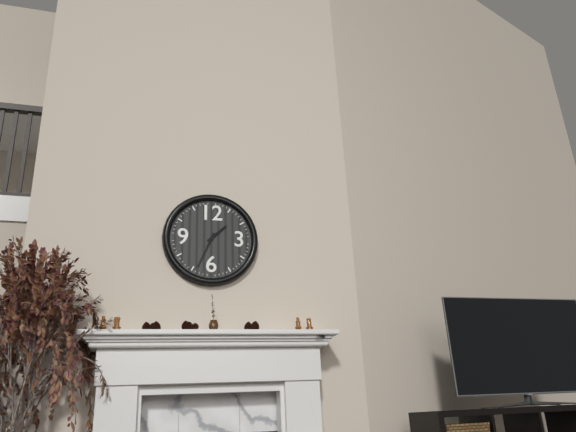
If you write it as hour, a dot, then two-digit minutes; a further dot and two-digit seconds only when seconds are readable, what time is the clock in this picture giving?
1.34
